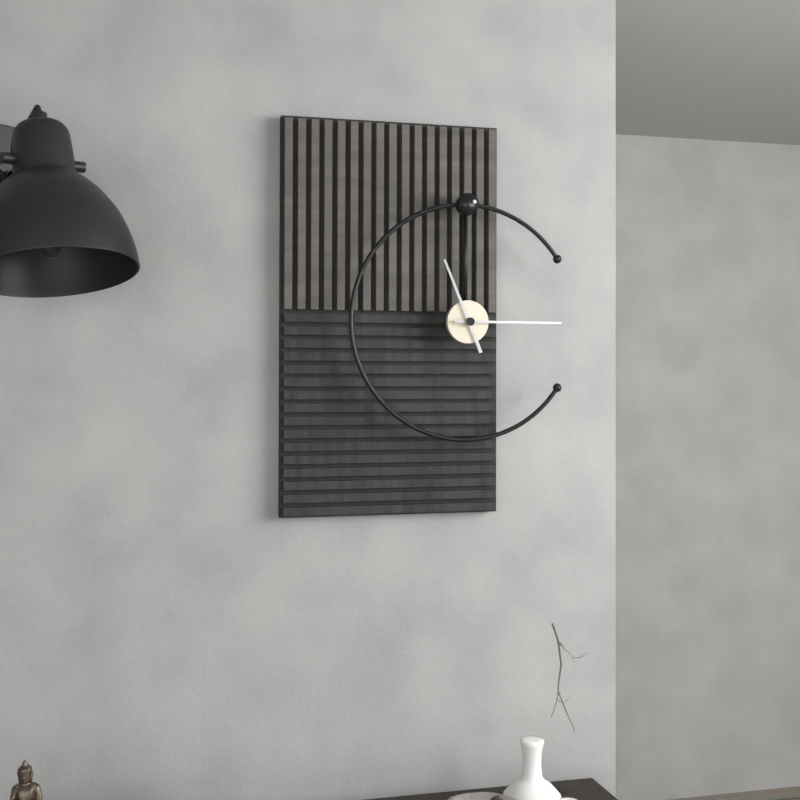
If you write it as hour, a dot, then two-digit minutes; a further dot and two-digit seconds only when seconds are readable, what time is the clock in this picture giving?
11.15
